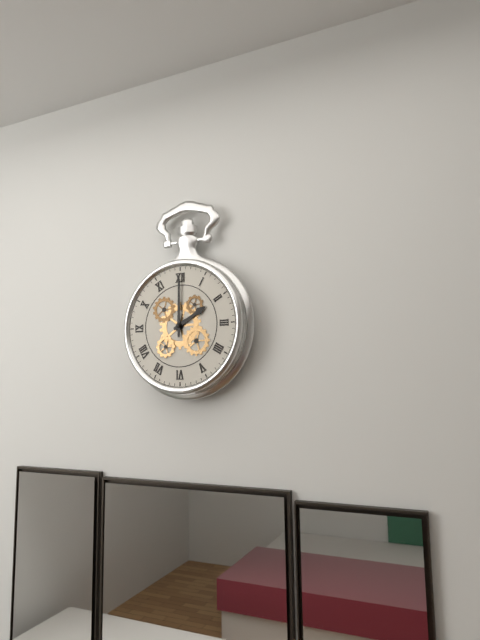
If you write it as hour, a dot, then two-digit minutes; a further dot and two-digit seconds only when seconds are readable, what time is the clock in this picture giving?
2.00
